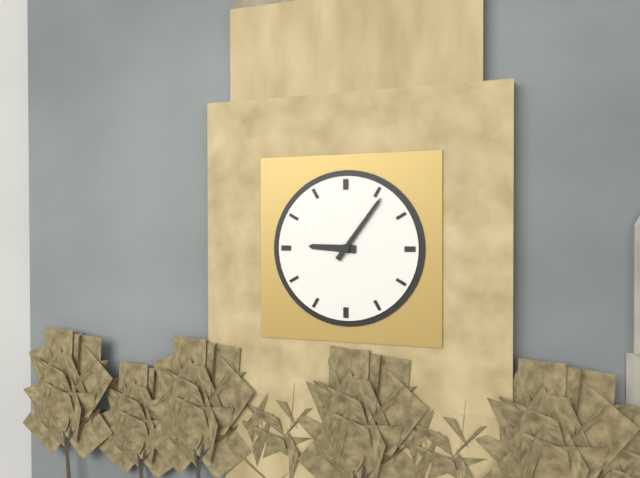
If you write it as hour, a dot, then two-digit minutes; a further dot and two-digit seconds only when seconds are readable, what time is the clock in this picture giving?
9.06
